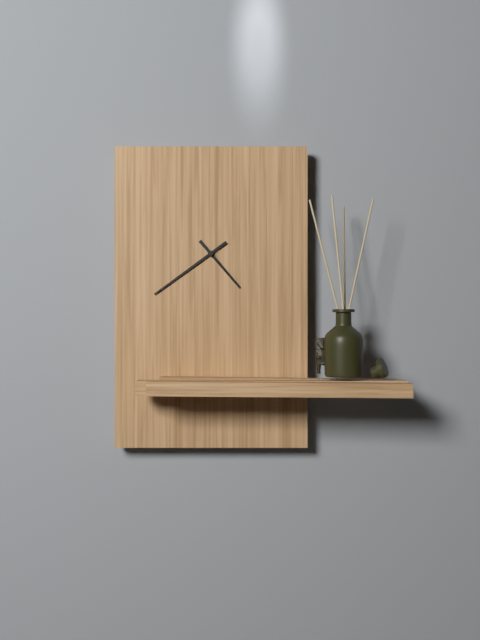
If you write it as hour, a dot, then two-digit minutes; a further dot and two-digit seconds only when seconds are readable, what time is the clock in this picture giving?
4.39
